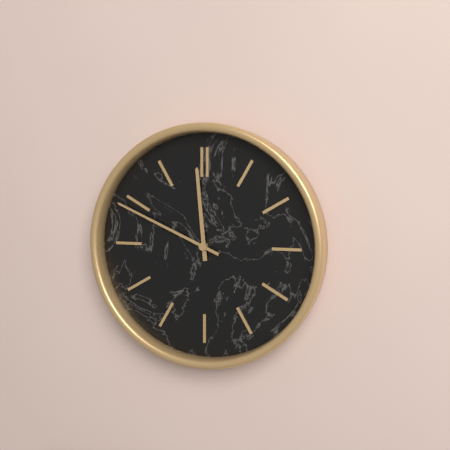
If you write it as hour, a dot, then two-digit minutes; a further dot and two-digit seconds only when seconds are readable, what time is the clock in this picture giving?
11.49
